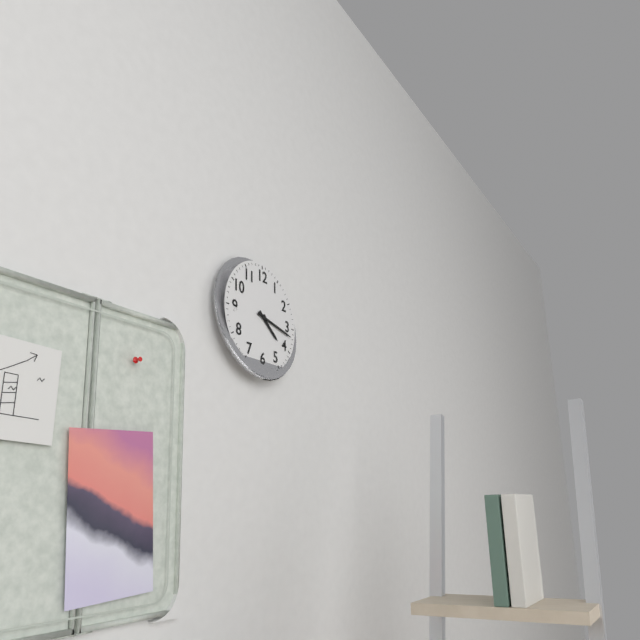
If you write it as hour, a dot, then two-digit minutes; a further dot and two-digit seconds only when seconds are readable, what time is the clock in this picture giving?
4.17
